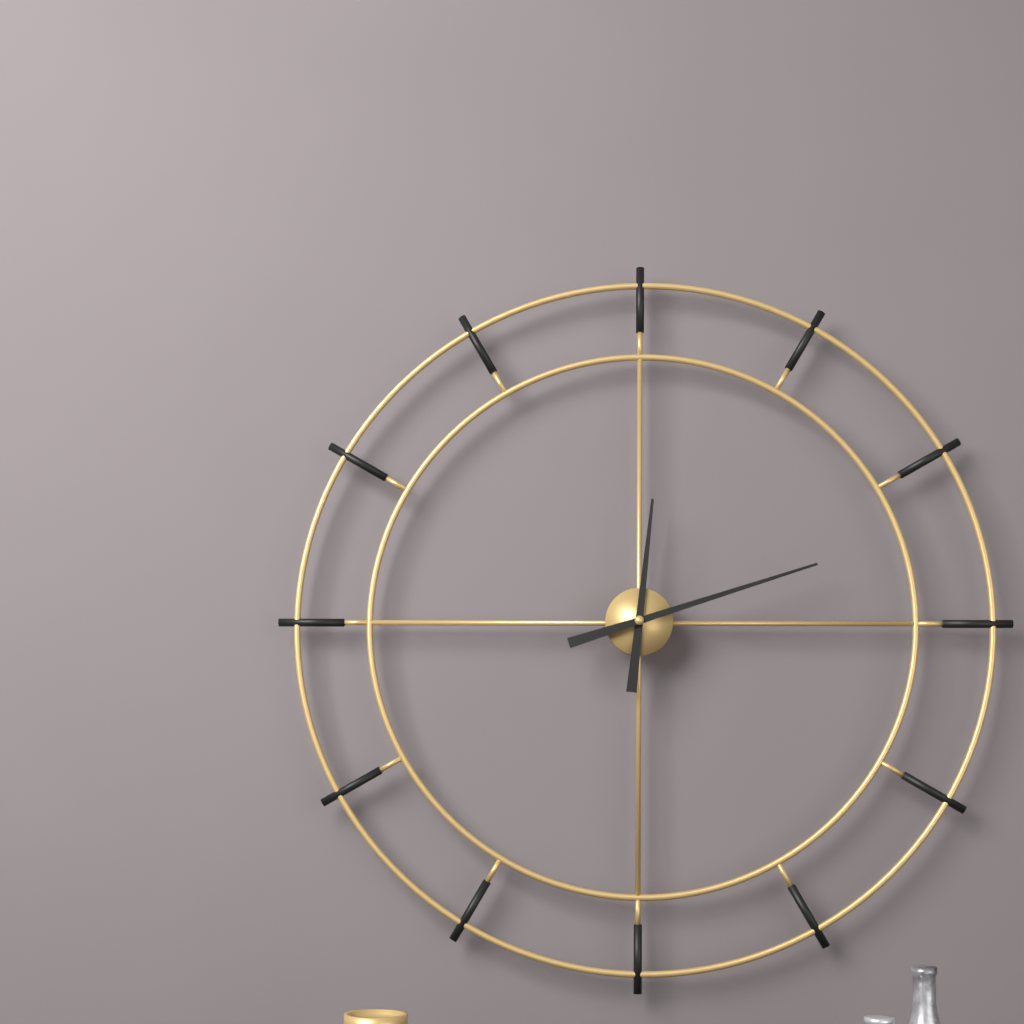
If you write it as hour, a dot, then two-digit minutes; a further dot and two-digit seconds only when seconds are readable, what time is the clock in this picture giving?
12.12
